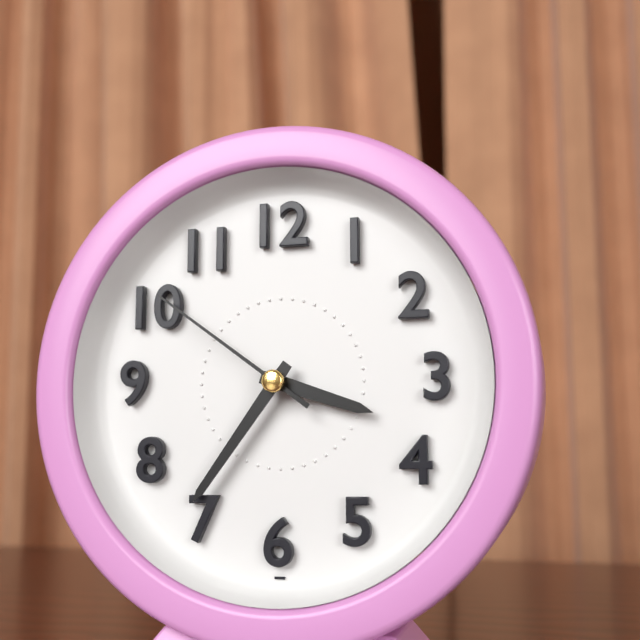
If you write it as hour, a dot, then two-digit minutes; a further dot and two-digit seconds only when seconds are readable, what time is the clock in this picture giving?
3.36.51
